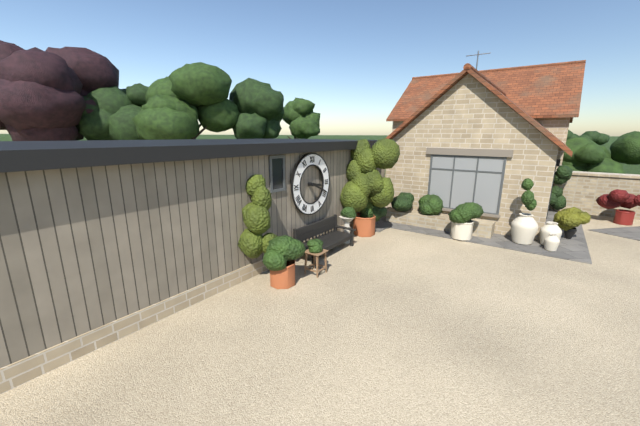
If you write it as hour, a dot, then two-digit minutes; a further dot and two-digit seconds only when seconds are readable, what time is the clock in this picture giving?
3.19
